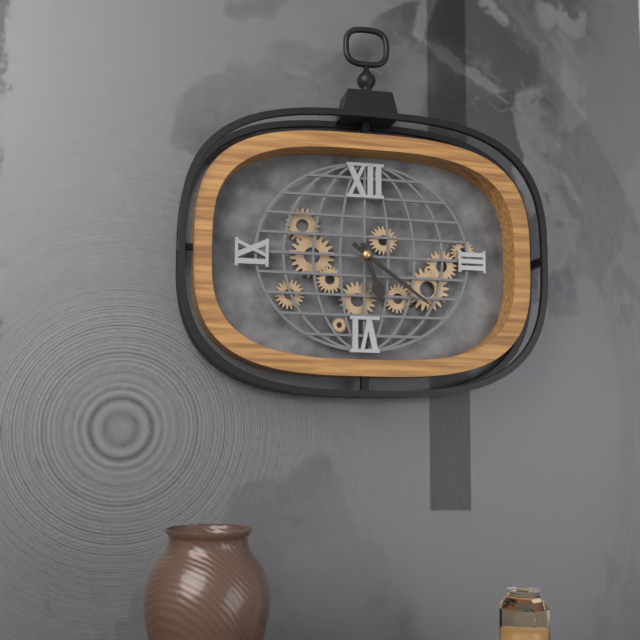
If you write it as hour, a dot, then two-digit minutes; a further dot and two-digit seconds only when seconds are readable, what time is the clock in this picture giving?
5.21
